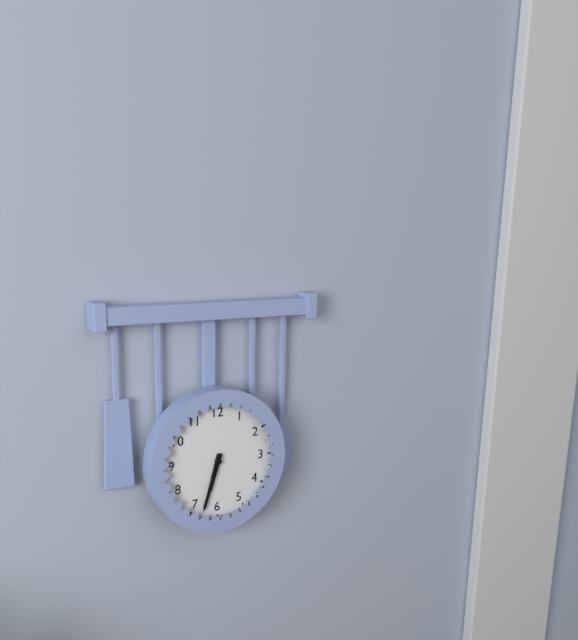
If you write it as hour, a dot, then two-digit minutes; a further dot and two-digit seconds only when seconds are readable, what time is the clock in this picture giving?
6.33
